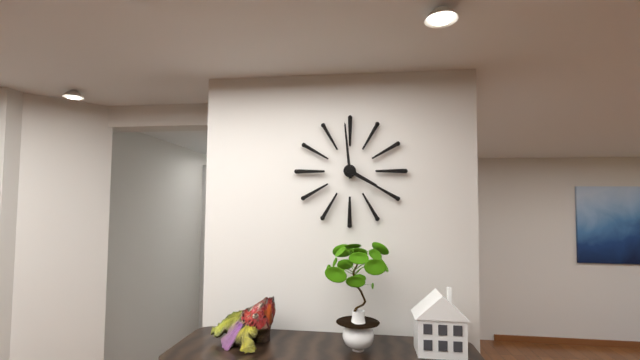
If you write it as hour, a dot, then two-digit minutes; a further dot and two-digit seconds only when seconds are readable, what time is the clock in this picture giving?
3.59
